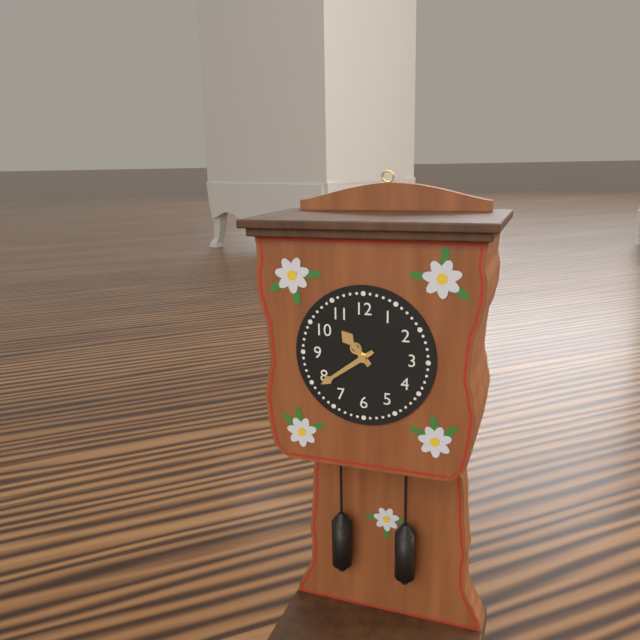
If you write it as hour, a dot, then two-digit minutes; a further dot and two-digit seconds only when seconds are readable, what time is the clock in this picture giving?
10.39
